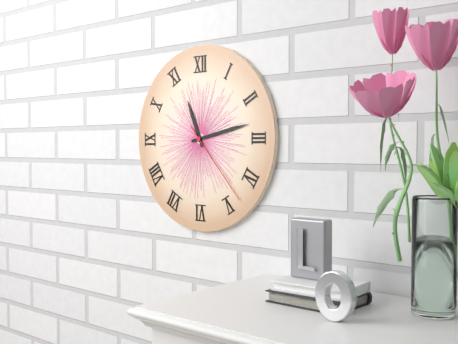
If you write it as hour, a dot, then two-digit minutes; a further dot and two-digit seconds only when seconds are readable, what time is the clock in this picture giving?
11.13.23
